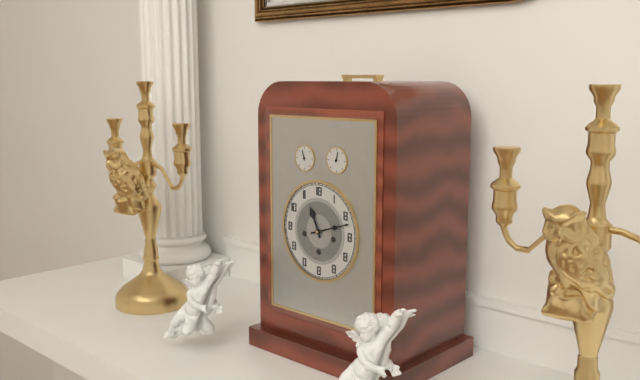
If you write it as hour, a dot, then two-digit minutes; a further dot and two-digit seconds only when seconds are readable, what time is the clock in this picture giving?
11.12
